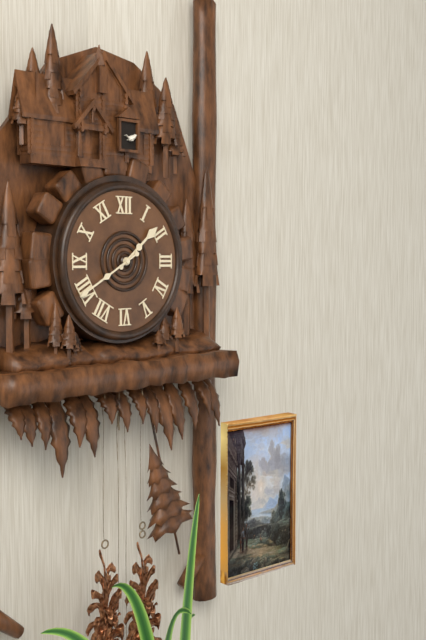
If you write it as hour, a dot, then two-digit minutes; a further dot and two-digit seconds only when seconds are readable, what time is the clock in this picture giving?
1.40
